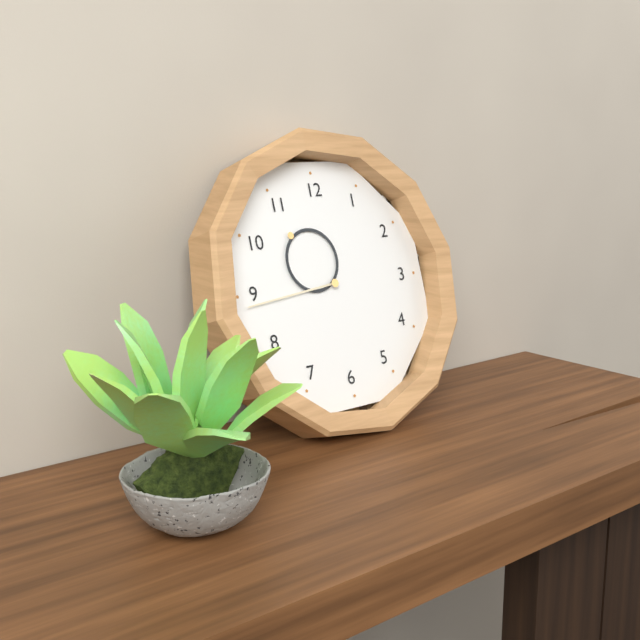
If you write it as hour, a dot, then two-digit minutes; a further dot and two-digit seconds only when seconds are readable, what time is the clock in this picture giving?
10.44
